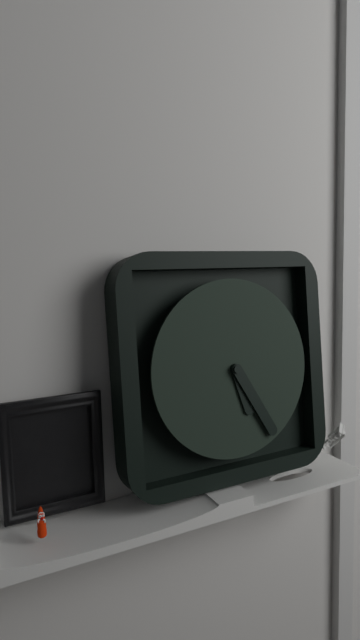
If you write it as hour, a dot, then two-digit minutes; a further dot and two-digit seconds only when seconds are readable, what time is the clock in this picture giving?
5.25
